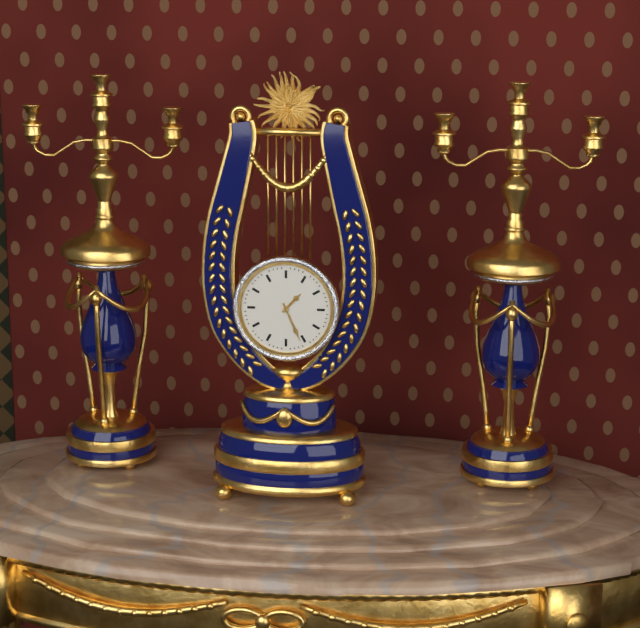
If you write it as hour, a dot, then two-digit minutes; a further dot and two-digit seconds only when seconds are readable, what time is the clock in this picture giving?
1.26
